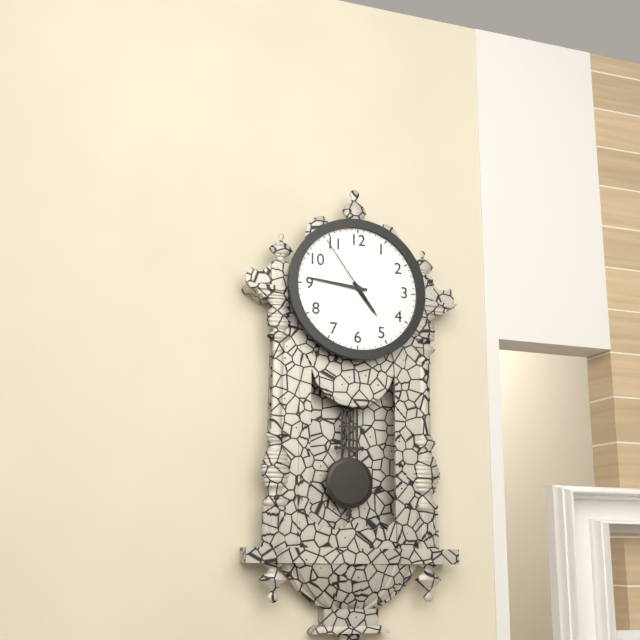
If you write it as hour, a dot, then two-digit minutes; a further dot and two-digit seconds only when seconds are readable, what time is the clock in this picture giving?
4.46.54
